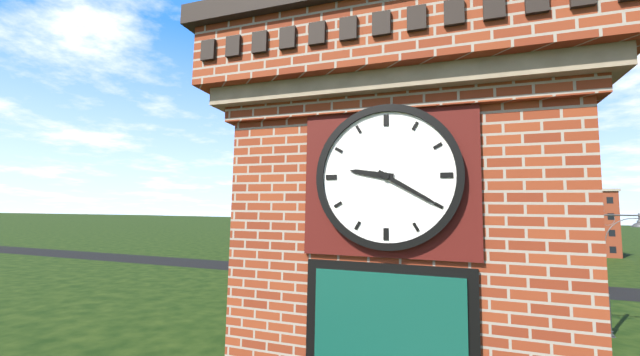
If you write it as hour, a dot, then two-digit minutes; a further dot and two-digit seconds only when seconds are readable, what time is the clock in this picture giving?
9.20
